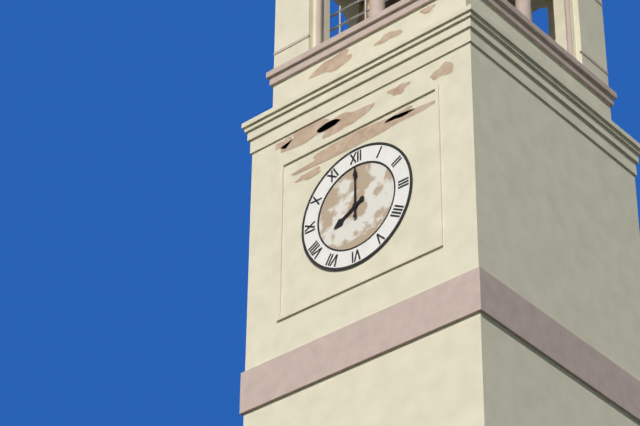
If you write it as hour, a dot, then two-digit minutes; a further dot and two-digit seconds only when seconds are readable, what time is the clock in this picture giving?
8.00
